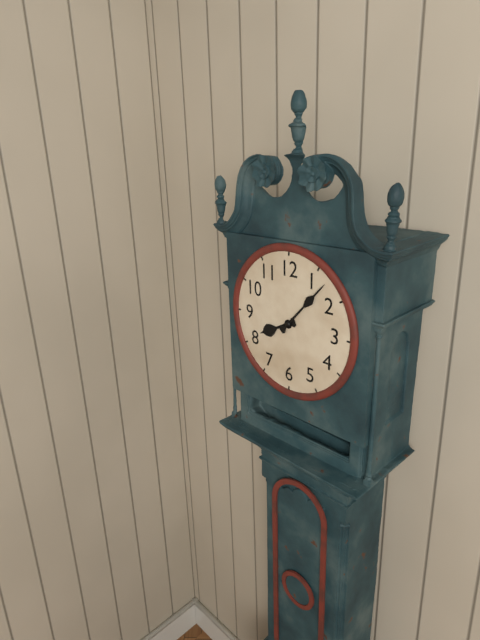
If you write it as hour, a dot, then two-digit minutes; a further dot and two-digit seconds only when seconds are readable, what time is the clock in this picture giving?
8.07
